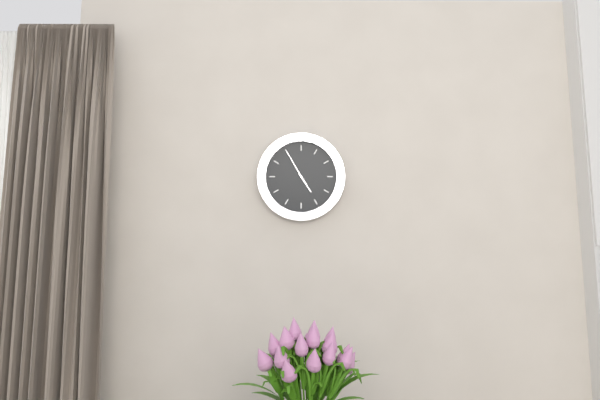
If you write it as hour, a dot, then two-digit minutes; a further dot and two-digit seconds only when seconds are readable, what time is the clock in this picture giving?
4.55
